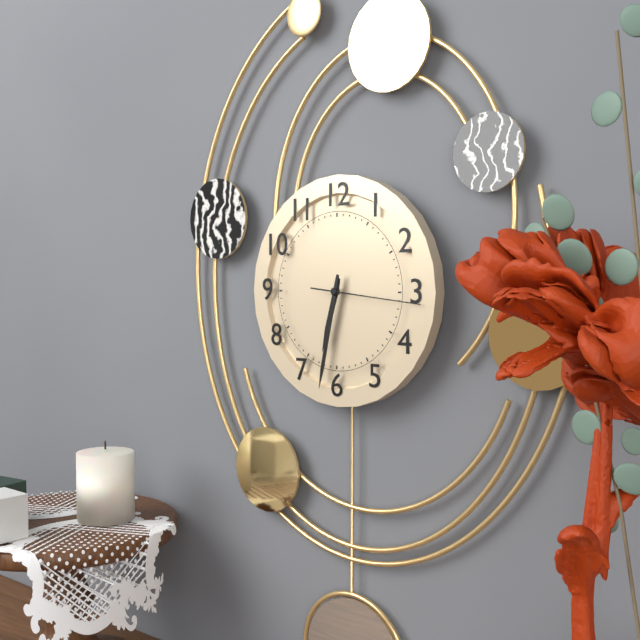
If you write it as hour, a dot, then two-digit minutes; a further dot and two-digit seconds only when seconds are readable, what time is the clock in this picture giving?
6.32.16
